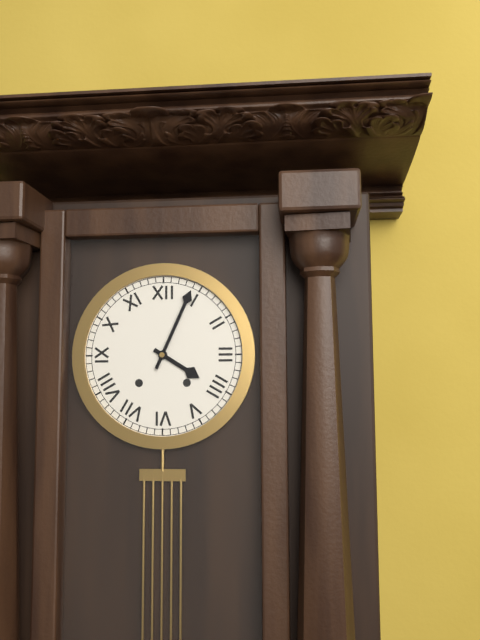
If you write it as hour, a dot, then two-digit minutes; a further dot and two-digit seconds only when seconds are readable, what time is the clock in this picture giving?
4.04
